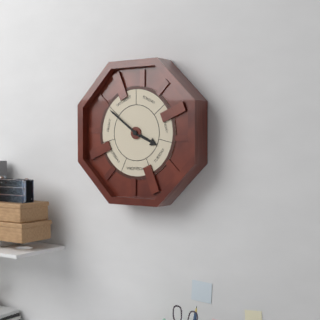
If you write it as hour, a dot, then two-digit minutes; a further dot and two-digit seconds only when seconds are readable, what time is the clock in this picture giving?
3.51
